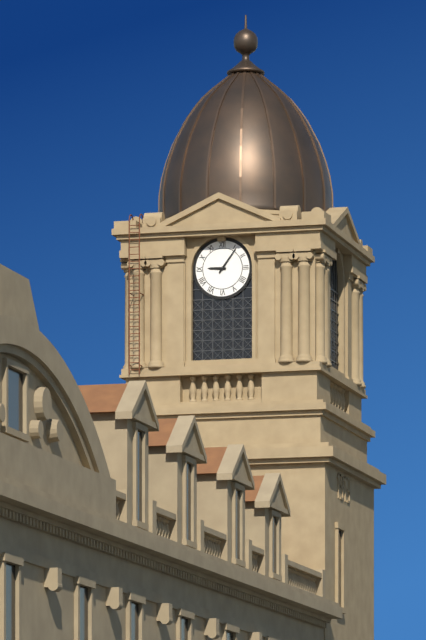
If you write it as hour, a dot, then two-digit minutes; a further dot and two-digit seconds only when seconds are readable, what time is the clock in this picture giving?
9.06
